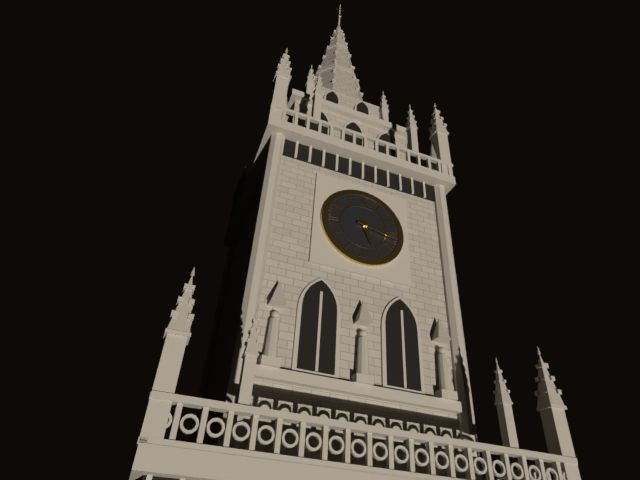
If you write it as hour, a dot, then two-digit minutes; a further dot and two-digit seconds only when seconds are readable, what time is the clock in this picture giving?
5.17
